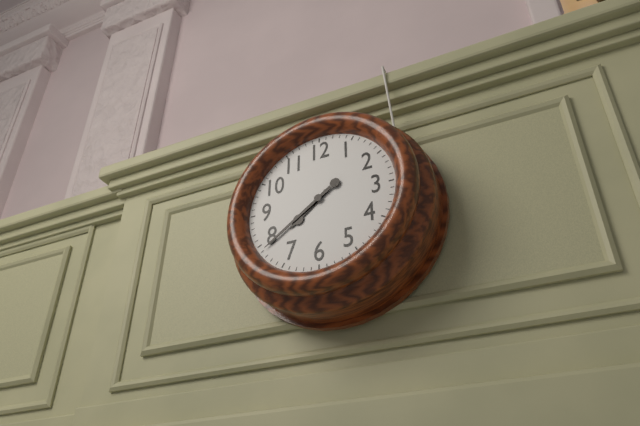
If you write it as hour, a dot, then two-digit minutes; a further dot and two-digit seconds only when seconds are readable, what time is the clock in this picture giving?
7.39
